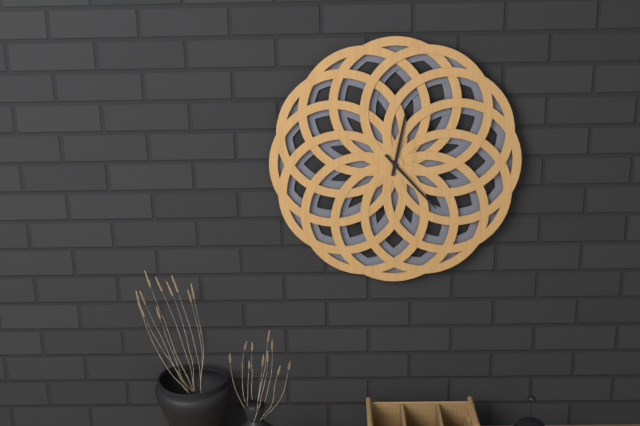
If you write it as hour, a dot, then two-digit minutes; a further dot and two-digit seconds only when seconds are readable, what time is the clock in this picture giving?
12.23
